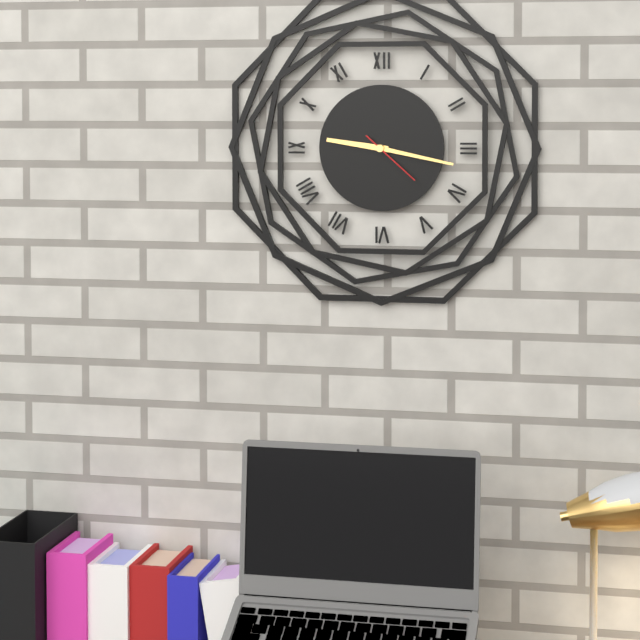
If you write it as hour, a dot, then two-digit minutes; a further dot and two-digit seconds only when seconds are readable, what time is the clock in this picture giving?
9.17.22
